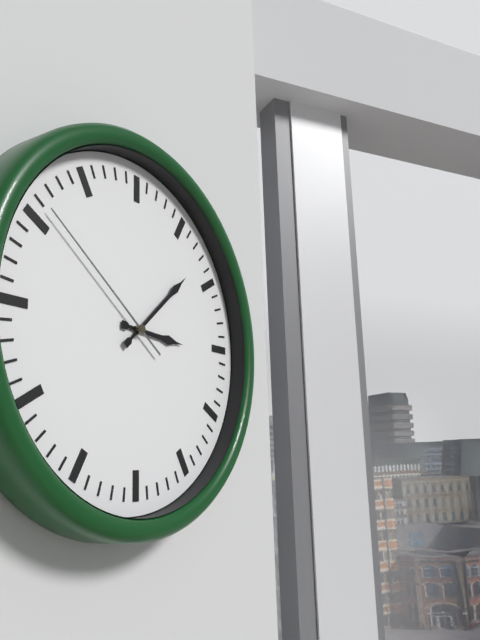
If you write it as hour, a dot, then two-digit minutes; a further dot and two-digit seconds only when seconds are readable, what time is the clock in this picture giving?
3.08.51
